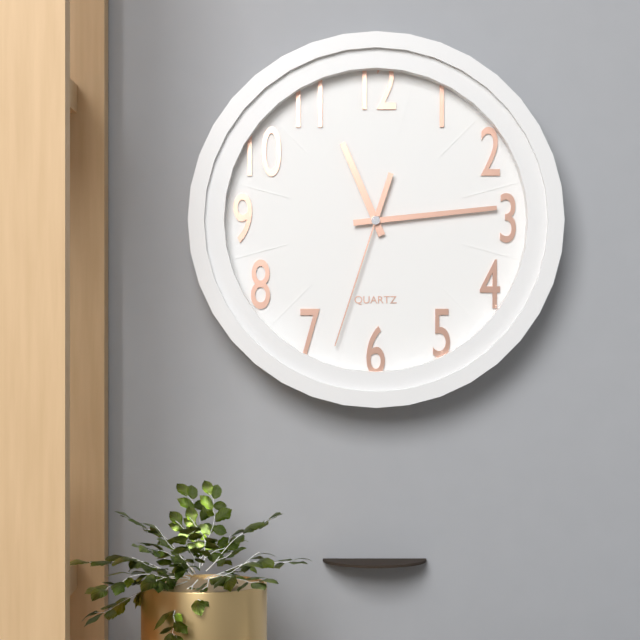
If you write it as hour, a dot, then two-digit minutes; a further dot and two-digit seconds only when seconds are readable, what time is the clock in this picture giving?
11.14.33
